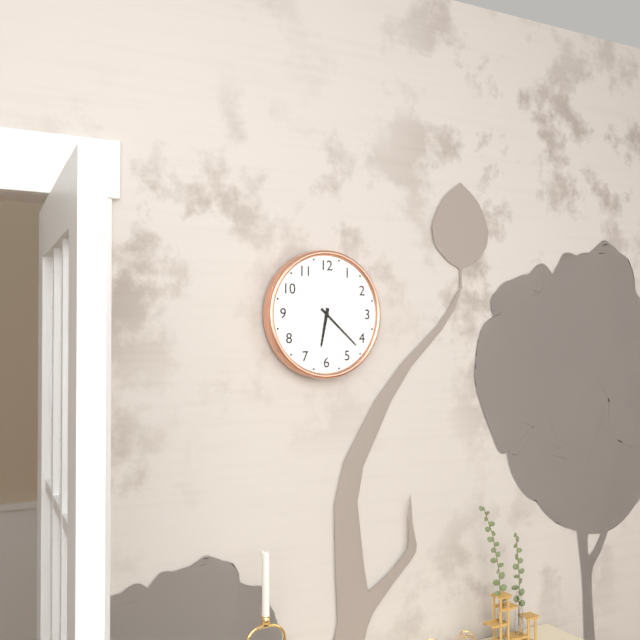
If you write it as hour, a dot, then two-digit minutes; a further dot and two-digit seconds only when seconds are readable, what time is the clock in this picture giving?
6.22
